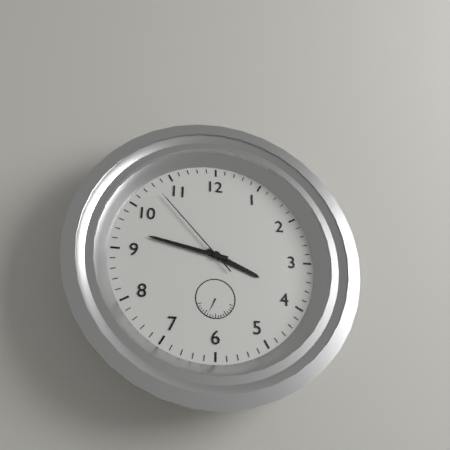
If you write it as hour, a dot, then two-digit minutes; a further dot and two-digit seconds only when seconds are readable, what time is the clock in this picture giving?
3.47.53
